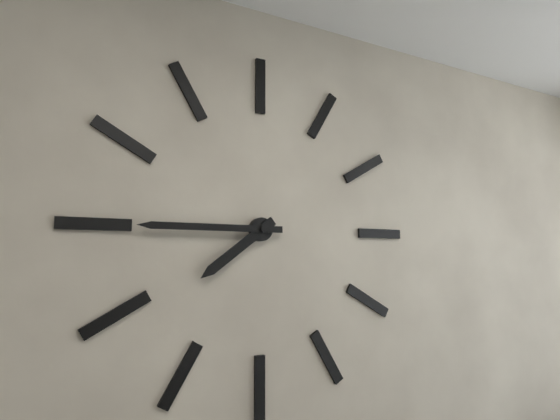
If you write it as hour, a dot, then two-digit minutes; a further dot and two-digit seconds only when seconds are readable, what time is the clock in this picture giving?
7.45
